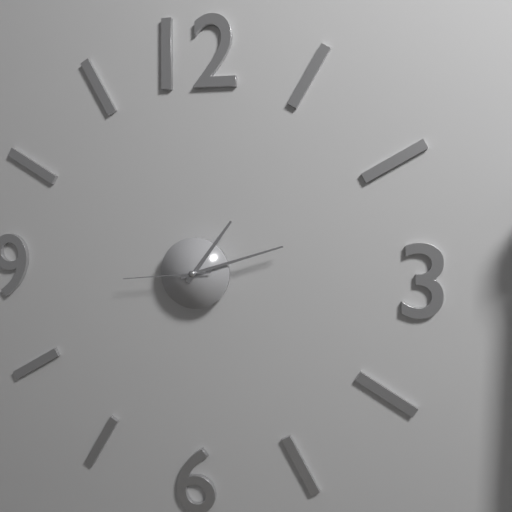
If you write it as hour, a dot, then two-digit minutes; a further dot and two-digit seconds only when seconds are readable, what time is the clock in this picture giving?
1.12.44
